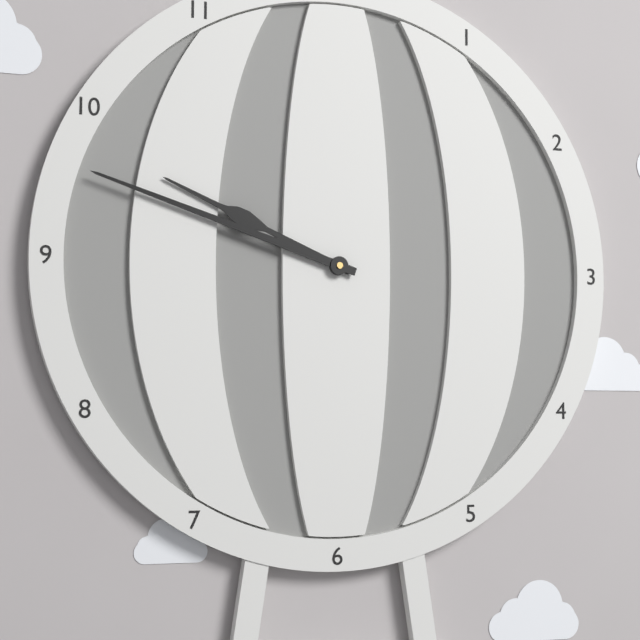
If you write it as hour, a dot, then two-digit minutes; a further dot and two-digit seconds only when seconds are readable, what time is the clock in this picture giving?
9.48
